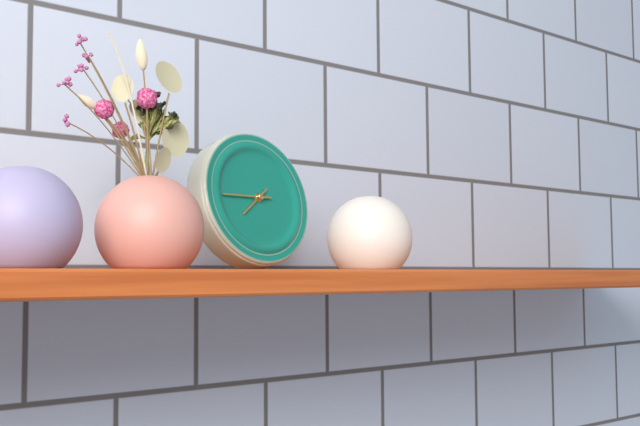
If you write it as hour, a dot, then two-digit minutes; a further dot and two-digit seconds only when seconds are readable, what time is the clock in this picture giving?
7.45
